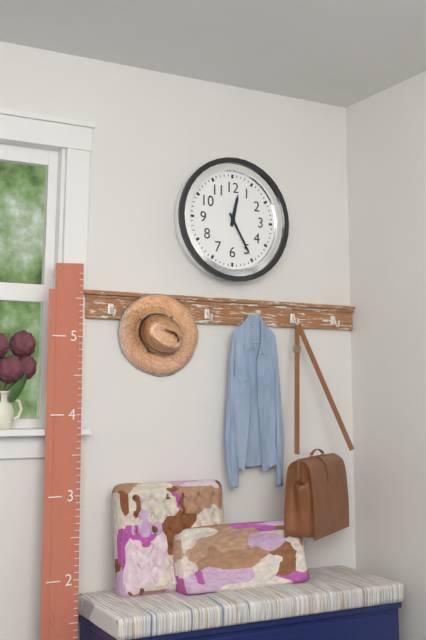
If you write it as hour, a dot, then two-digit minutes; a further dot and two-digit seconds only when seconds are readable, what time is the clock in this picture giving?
12.25
